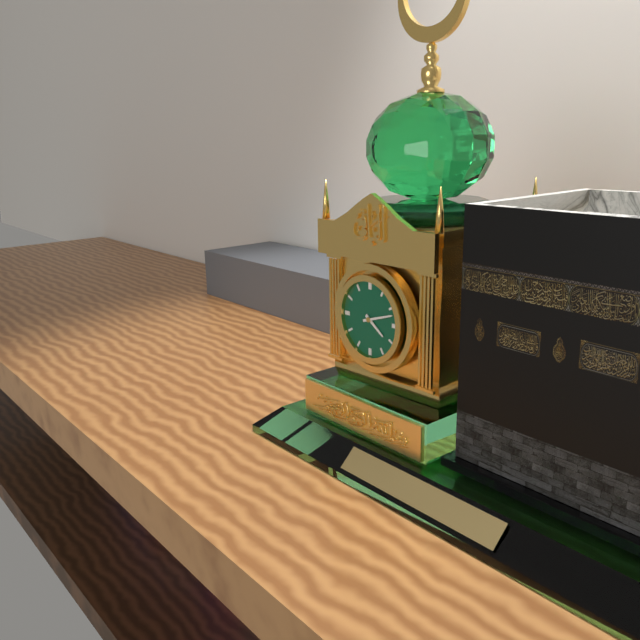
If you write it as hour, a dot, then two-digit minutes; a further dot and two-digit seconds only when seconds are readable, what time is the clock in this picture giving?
4.12
